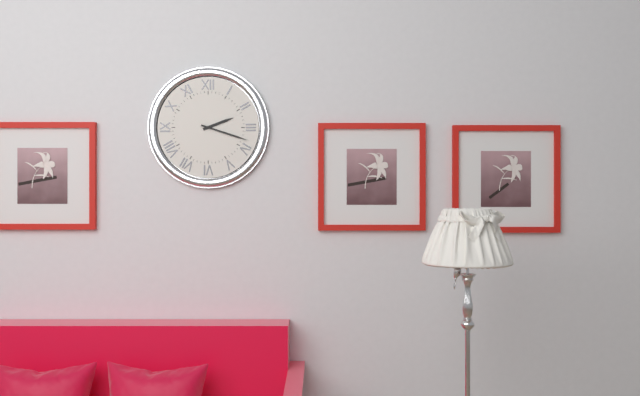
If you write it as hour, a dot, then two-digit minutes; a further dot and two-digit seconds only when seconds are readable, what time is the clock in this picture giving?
2.18
